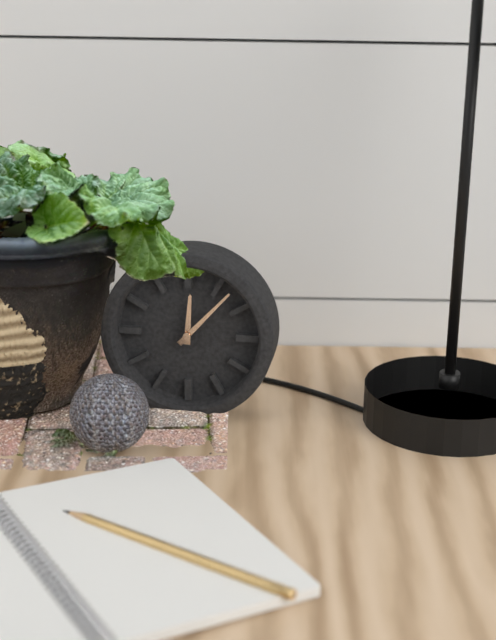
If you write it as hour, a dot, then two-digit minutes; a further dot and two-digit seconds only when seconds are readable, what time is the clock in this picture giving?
12.07
